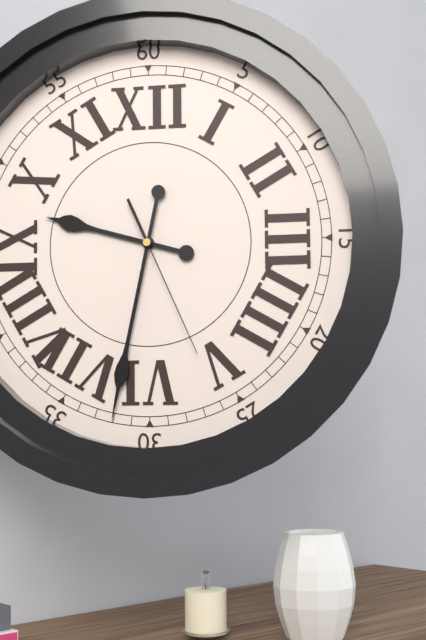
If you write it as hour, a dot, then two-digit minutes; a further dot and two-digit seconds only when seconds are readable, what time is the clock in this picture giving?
9.32.26
